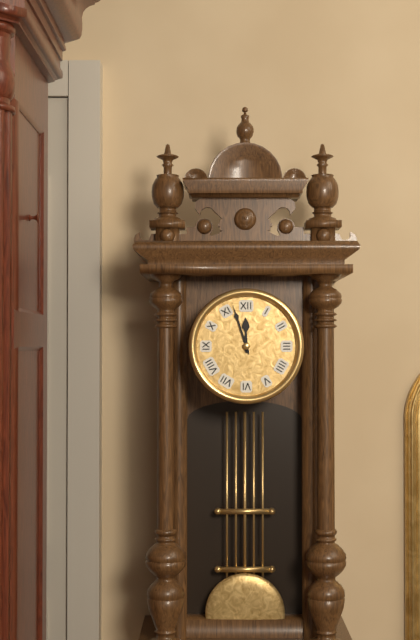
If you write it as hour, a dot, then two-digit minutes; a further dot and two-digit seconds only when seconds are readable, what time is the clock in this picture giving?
11.57
